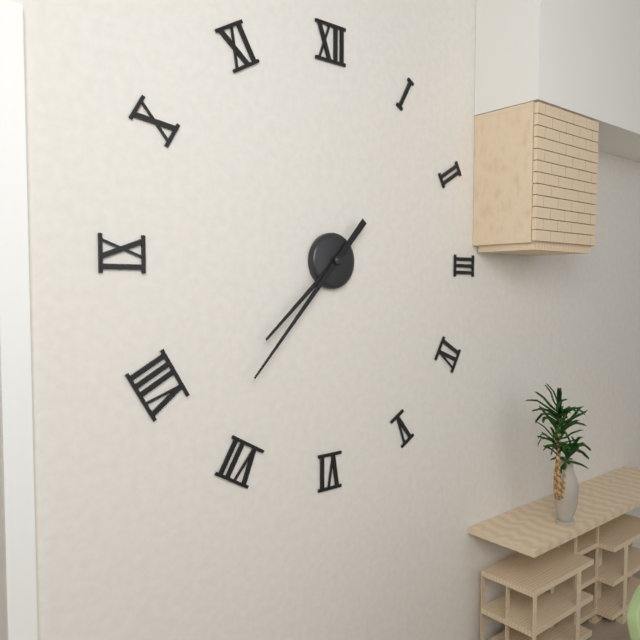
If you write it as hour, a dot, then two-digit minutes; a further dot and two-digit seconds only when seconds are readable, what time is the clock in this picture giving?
7.37
